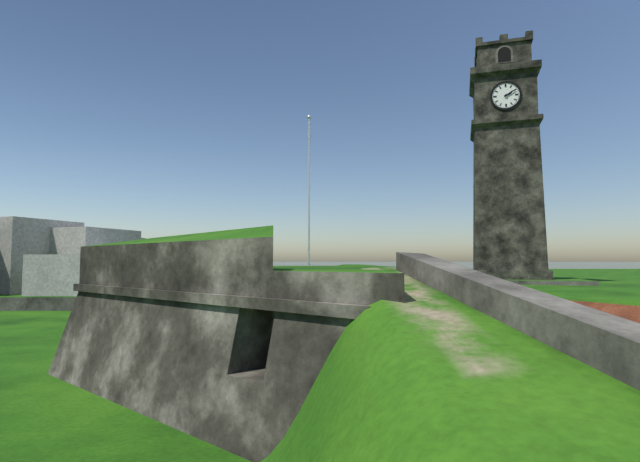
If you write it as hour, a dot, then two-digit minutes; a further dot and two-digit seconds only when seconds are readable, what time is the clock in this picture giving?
2.10
